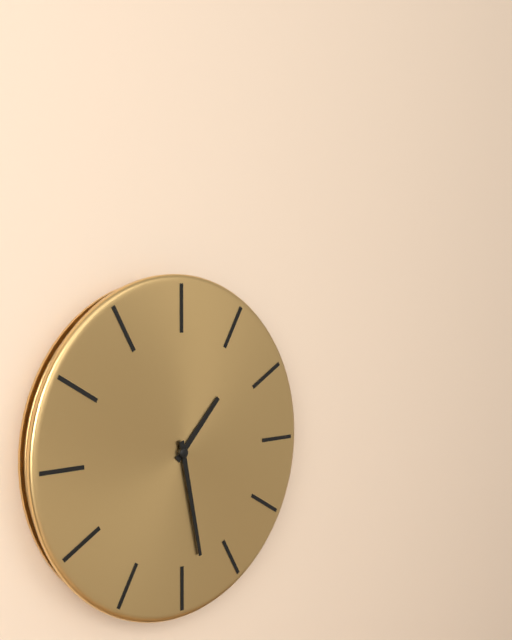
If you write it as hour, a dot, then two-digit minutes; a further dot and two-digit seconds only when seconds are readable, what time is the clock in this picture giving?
1.28
